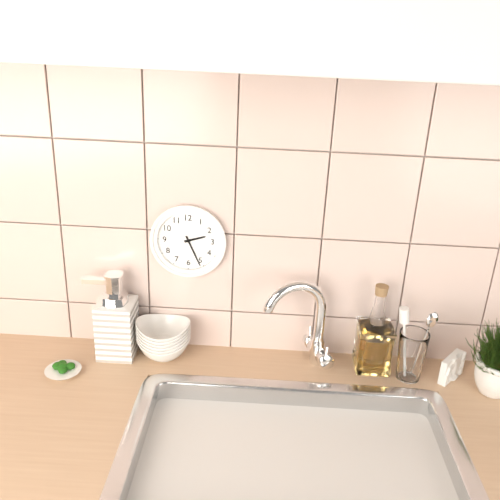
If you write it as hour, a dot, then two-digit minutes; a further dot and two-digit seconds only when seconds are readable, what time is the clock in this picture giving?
2.26
